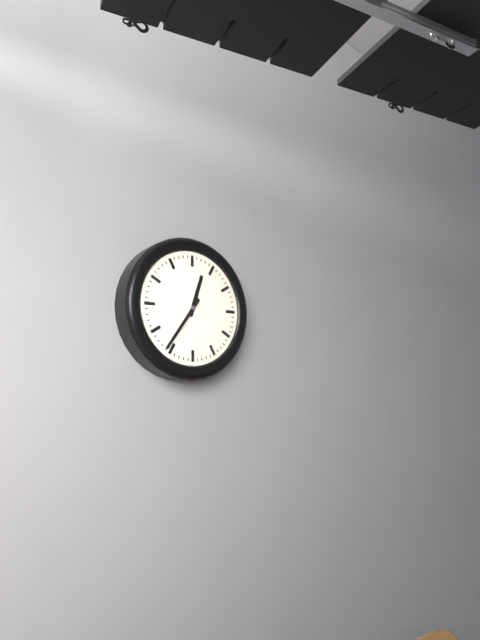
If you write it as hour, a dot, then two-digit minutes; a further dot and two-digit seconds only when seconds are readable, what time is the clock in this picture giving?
12.36
